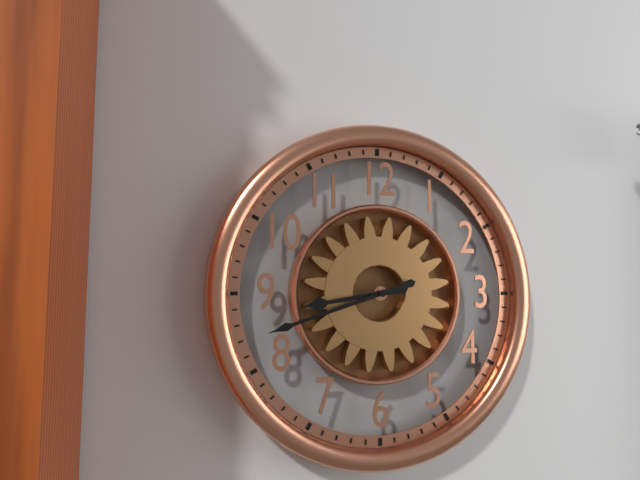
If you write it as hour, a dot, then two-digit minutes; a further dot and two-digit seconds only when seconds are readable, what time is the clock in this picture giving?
8.42
